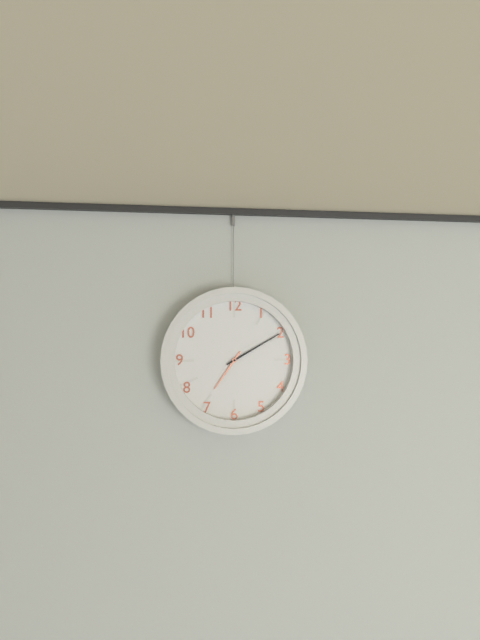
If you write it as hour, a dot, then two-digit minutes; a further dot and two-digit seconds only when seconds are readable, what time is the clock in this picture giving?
7.10
